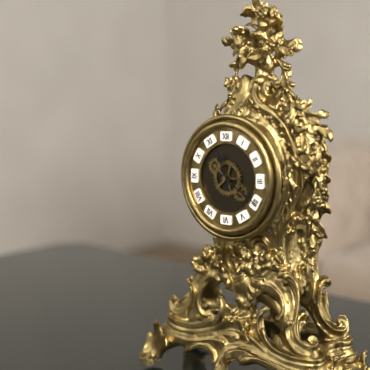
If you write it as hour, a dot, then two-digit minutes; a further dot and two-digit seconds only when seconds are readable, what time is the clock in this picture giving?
11.20
